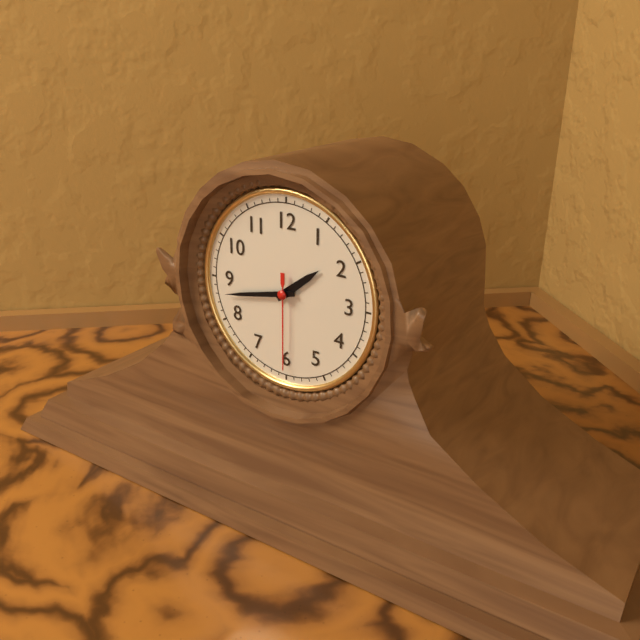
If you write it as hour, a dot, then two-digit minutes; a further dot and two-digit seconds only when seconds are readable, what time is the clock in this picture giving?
1.43.30
